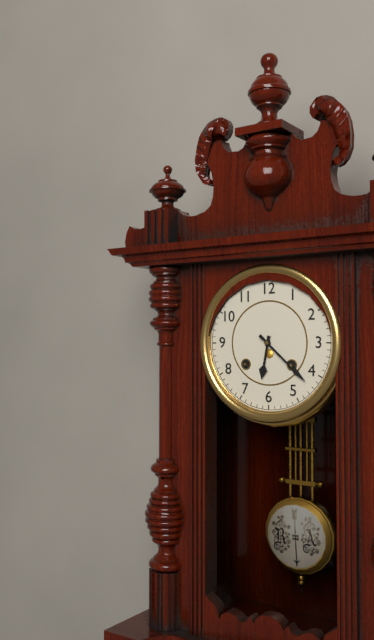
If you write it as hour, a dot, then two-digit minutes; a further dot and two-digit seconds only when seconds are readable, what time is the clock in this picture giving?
6.22
